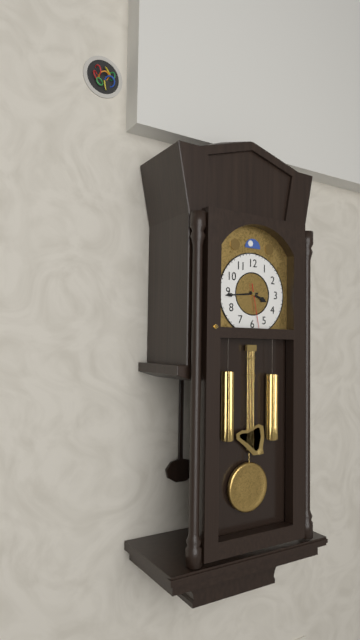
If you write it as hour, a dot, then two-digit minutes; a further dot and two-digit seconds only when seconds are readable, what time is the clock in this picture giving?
3.44
